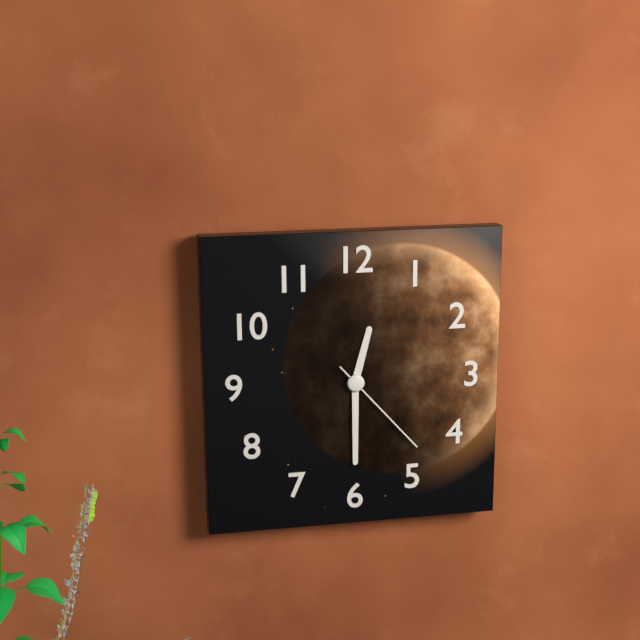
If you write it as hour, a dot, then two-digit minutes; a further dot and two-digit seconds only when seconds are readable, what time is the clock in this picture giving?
12.30.23
